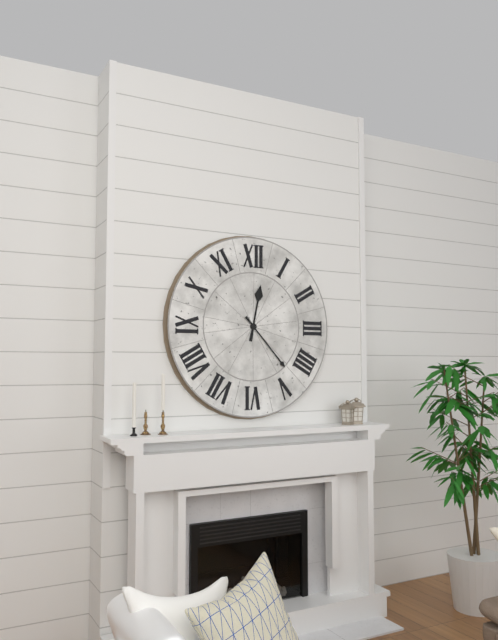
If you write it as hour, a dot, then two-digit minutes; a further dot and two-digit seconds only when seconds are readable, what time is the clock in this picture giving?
12.23
